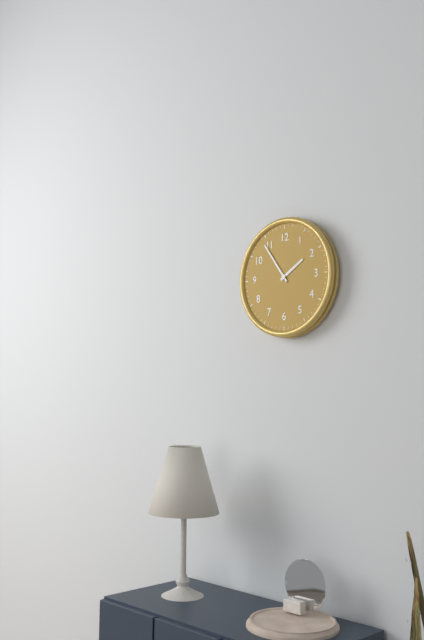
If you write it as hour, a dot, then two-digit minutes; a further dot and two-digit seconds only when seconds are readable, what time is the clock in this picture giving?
1.54
